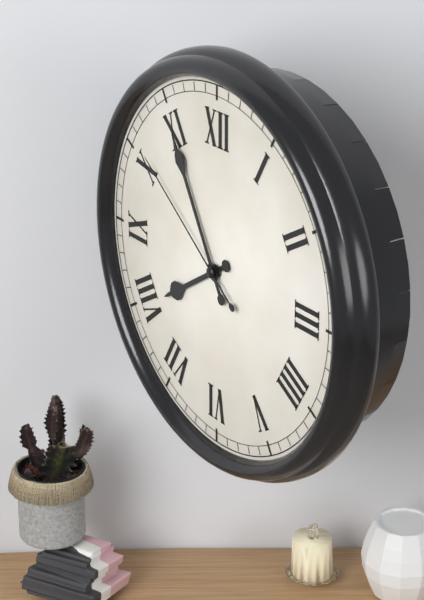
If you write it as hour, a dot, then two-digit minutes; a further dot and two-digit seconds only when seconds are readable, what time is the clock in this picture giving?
7.55.51
